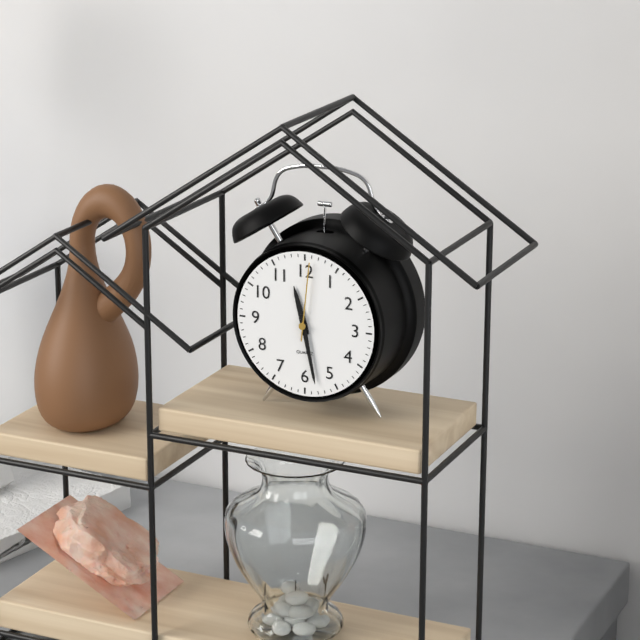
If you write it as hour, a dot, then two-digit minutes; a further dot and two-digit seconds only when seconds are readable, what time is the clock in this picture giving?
11.28.01
